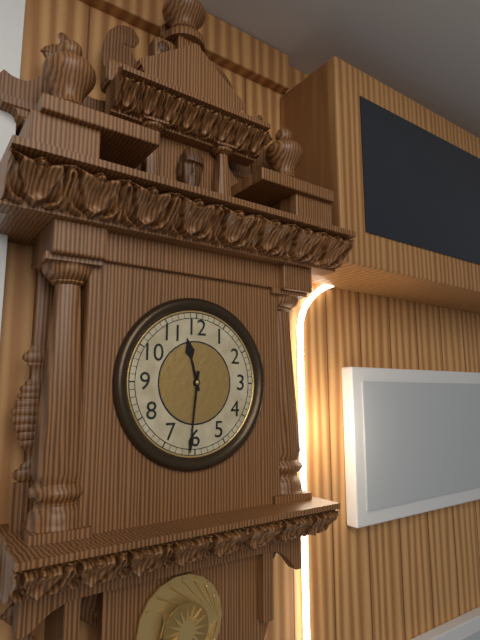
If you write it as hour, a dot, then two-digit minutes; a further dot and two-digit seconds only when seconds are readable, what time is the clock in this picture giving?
11.31
